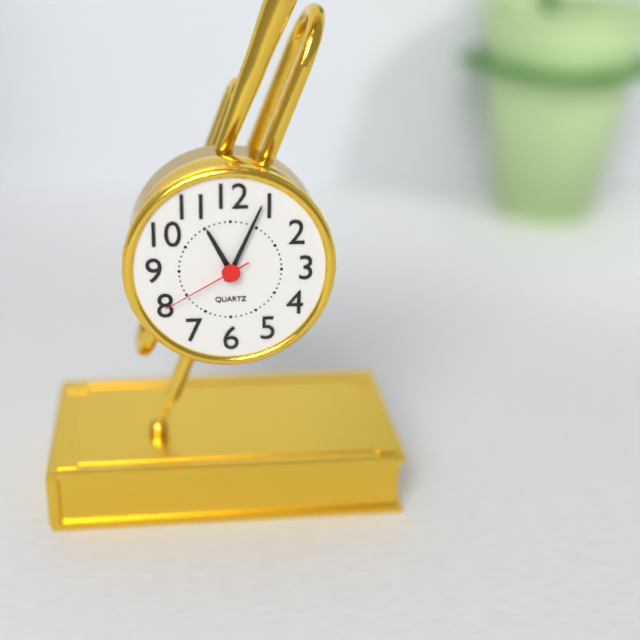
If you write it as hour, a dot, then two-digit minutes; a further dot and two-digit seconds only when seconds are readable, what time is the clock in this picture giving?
11.04.40
